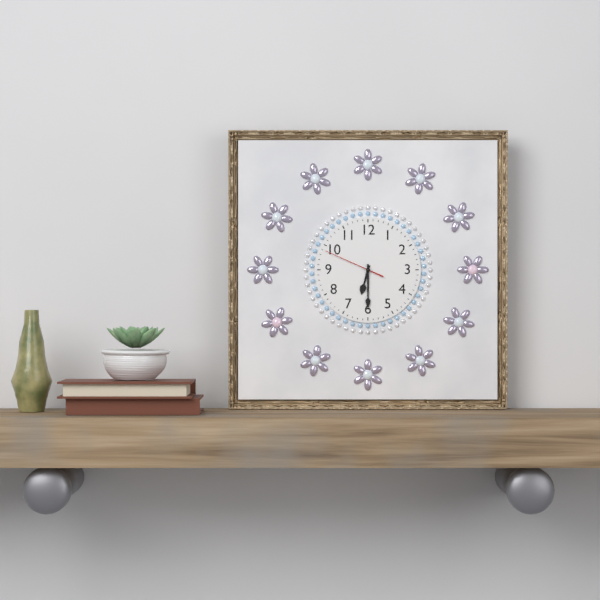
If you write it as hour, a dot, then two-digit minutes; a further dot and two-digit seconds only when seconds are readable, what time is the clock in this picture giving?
6.30.49
